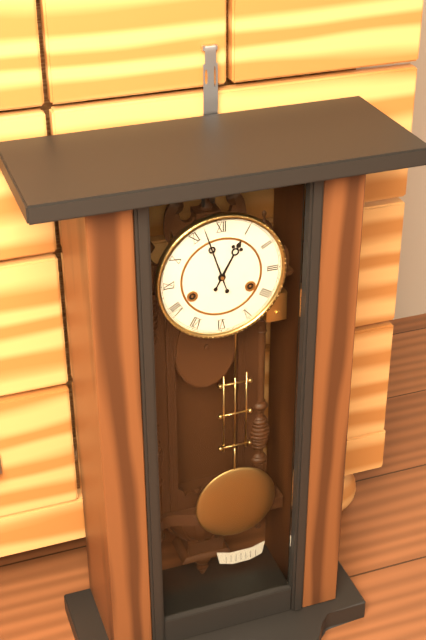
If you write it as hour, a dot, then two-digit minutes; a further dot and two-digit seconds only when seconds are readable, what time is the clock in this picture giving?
12.57
